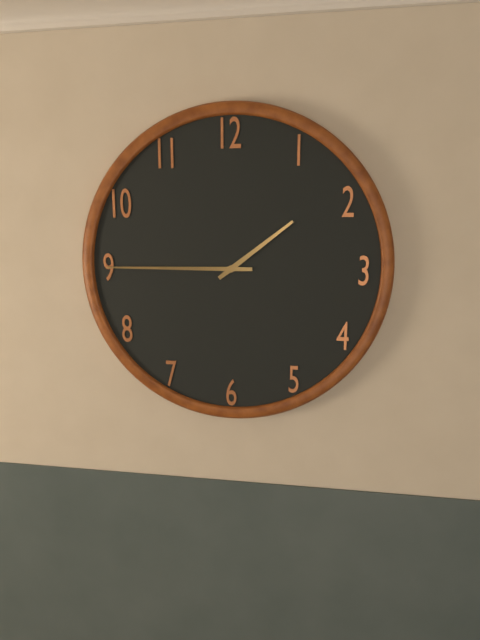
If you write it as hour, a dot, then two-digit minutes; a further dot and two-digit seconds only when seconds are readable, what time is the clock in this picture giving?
1.45
